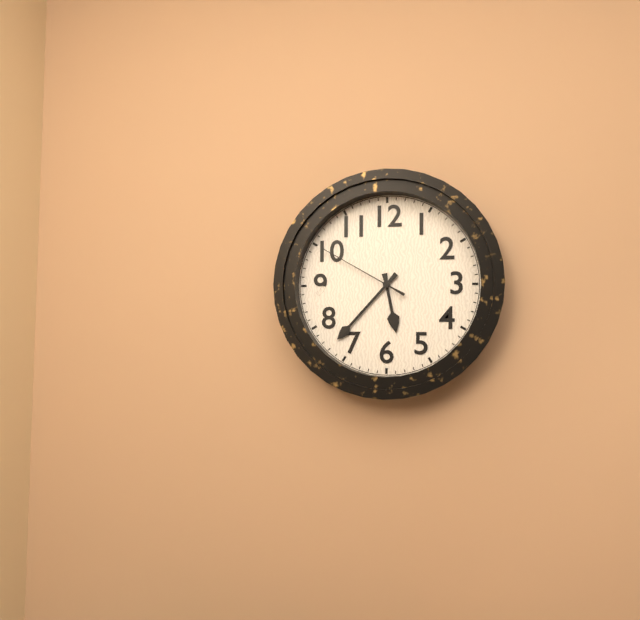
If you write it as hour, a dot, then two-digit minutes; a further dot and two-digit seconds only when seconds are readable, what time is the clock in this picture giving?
5.37.50
